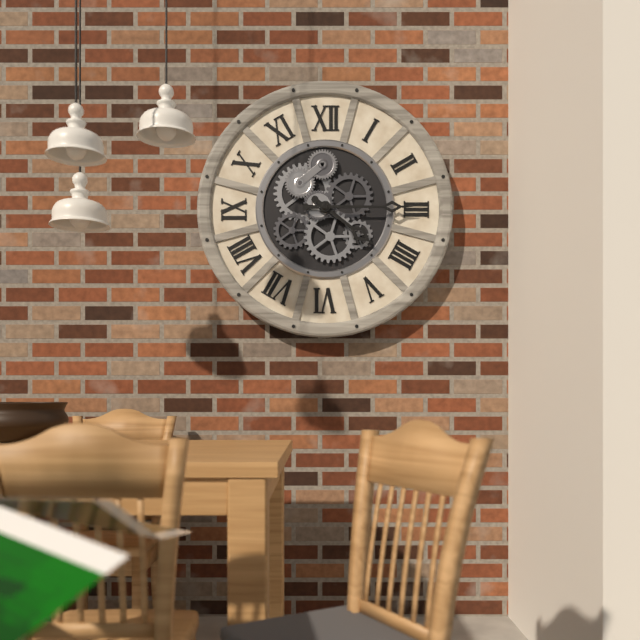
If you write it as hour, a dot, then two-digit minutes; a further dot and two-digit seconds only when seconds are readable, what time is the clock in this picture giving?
4.15
